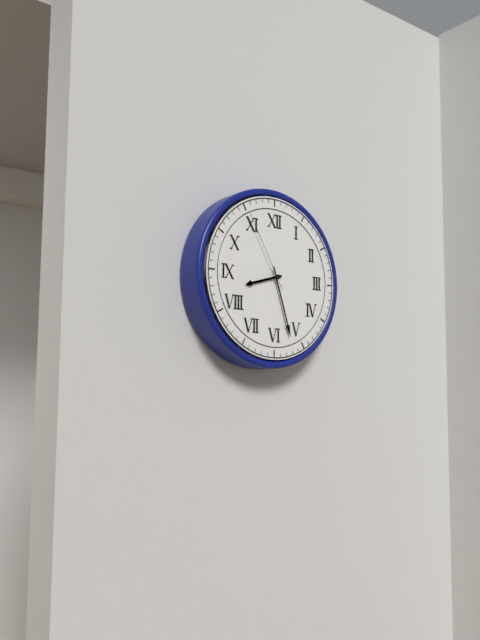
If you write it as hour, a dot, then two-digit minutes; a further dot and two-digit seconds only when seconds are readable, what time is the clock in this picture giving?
8.27.55
